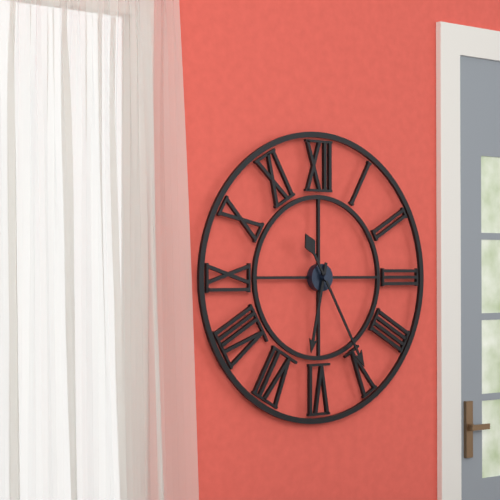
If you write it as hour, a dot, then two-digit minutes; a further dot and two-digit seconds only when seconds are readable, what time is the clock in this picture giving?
6.25
